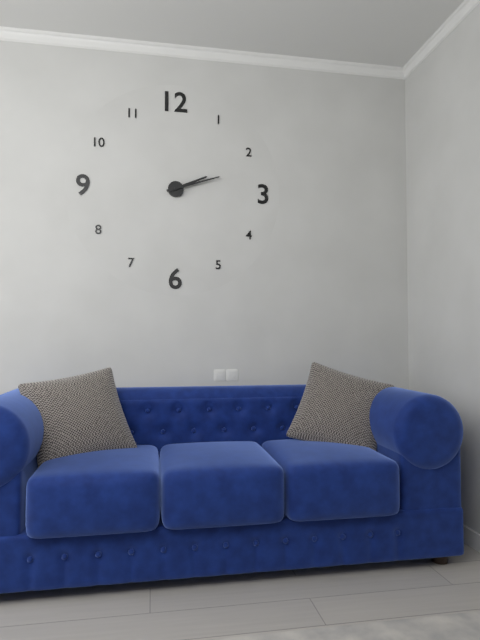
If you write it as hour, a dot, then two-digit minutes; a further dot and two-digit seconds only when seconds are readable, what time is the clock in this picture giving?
2.12
